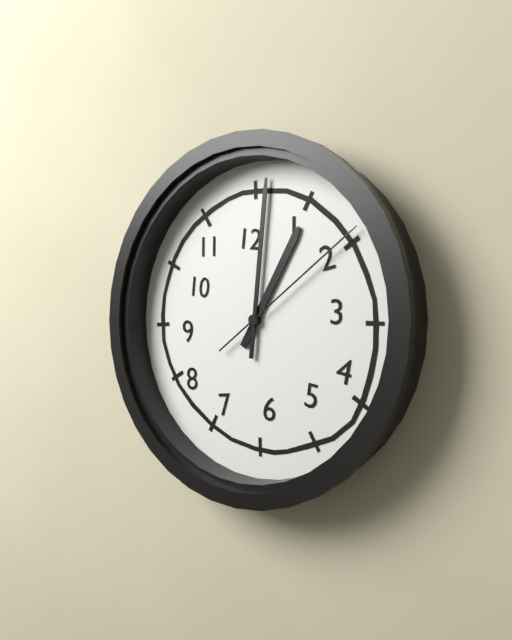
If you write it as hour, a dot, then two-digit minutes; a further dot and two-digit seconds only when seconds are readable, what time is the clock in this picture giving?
1.01.09
